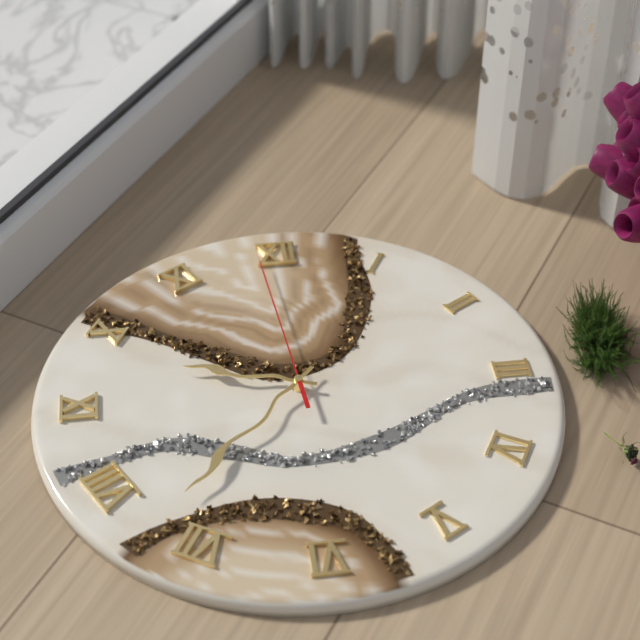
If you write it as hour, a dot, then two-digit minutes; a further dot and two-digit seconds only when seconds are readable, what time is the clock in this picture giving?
9.37.59
